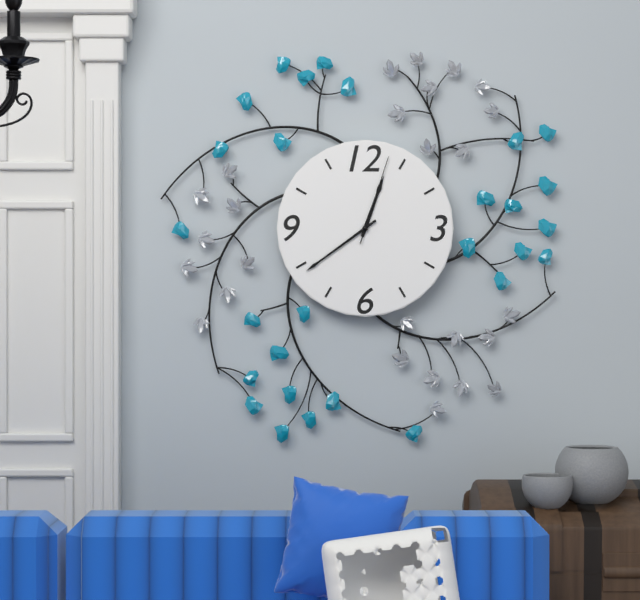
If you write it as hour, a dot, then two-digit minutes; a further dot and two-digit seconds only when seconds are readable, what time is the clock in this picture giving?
12.39.03
